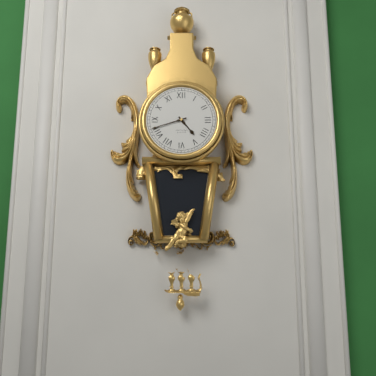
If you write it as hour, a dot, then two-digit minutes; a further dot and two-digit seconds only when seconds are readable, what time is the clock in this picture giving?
4.42
